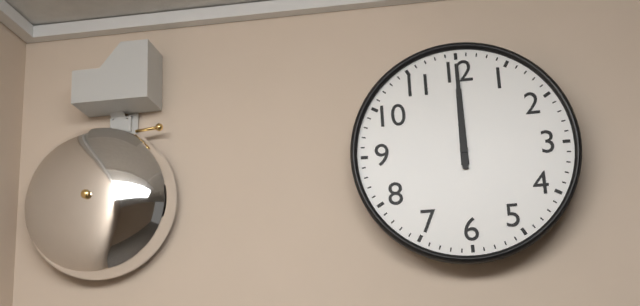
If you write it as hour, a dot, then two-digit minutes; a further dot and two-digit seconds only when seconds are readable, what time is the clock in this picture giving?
12.00
